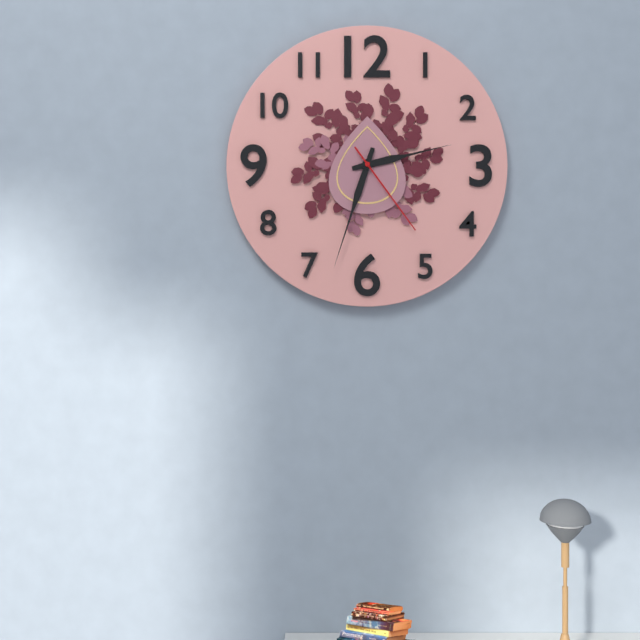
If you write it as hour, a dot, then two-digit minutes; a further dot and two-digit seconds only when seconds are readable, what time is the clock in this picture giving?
2.33.24
